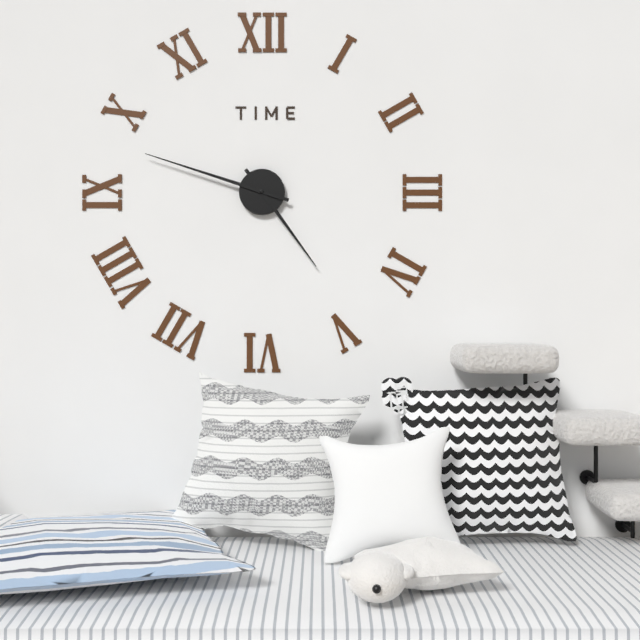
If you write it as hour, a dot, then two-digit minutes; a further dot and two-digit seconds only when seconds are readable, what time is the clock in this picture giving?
4.48
